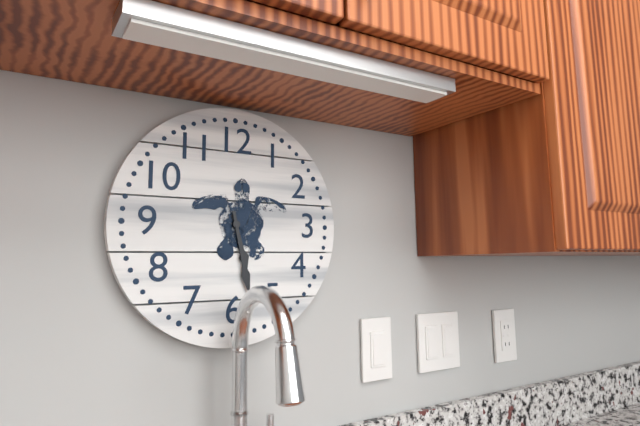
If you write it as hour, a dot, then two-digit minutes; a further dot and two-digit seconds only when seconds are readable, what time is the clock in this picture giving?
5.28
